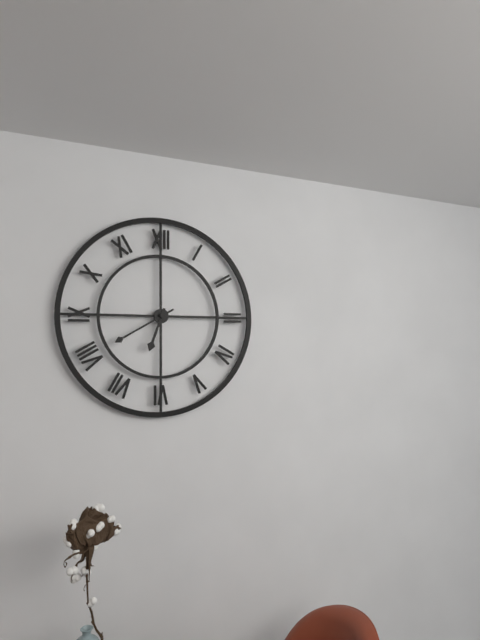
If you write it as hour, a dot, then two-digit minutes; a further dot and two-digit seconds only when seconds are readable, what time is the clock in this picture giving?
6.40
